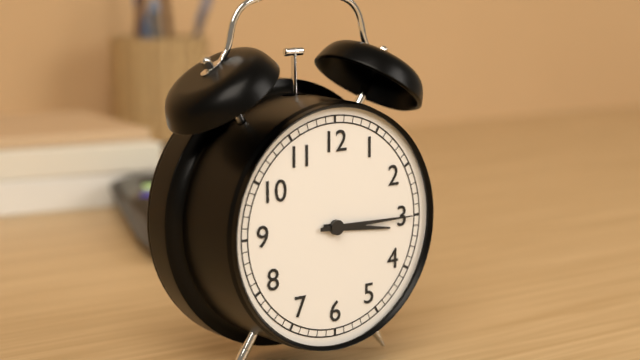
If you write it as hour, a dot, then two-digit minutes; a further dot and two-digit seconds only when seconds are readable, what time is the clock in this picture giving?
3.15
